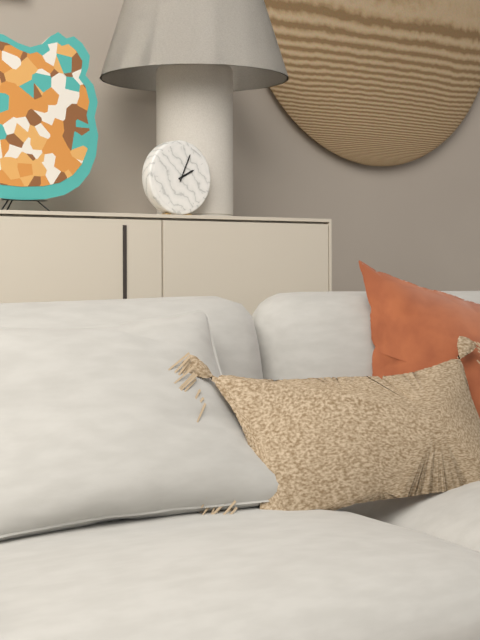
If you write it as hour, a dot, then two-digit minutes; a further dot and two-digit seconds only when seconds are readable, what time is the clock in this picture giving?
2.04
